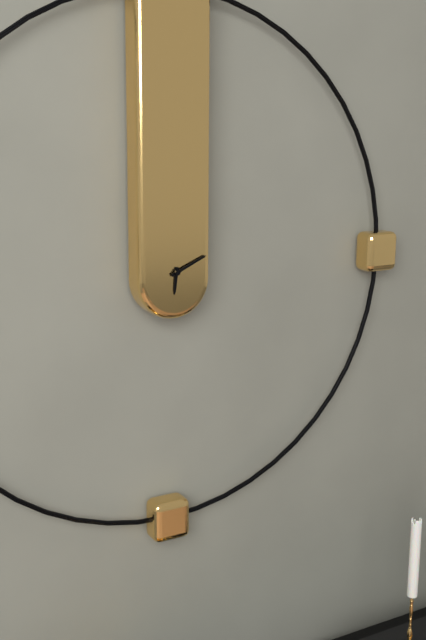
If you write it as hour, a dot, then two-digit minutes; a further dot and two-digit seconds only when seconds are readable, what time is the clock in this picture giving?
6.11
